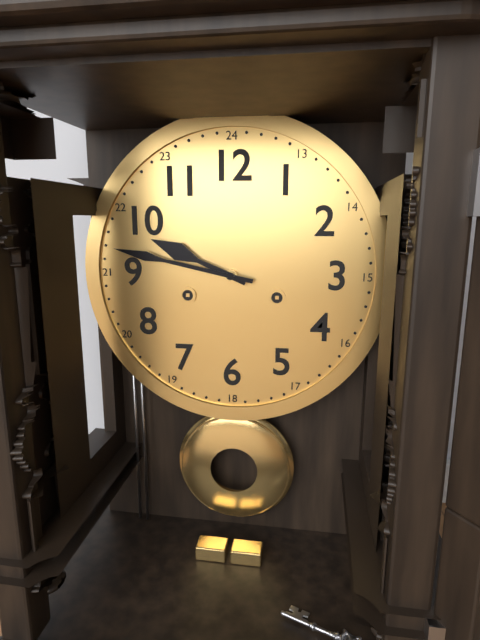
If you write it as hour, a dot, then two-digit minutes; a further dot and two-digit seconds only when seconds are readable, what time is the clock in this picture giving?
9.47
